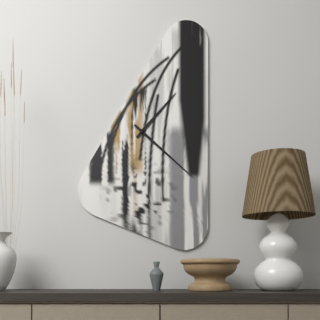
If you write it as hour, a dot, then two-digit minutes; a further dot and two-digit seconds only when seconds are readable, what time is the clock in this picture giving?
1.22
